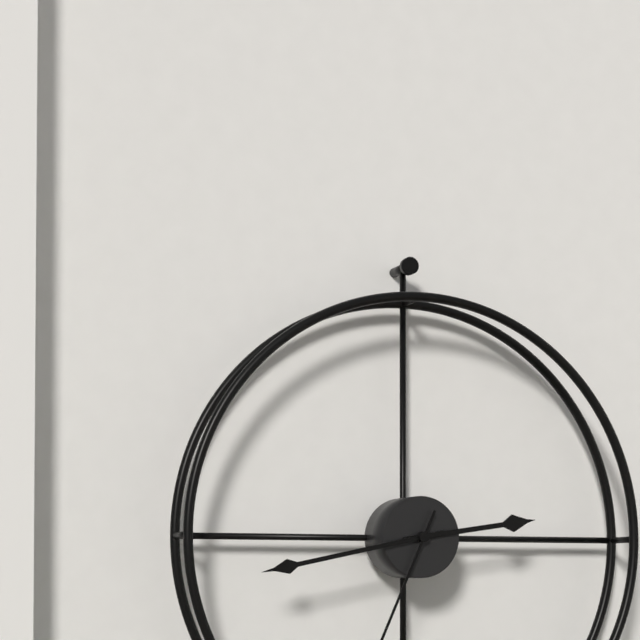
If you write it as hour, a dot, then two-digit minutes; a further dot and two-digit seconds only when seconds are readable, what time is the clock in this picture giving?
2.43
